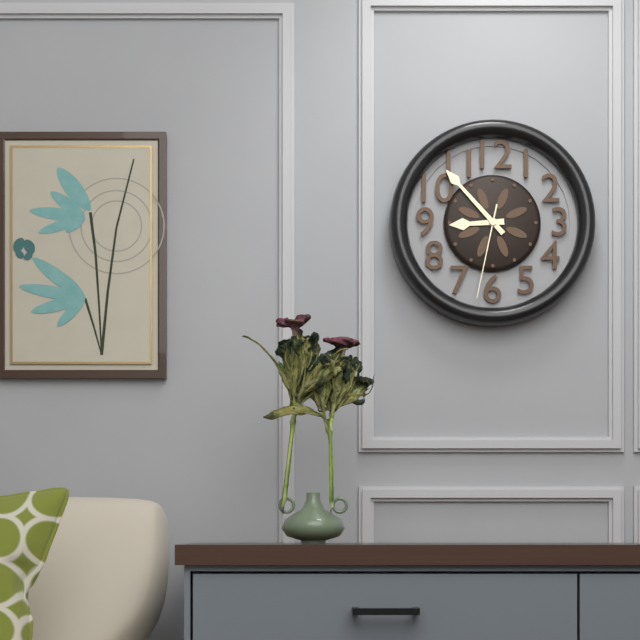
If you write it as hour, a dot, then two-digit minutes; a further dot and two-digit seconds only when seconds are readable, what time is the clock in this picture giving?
8.53.32
